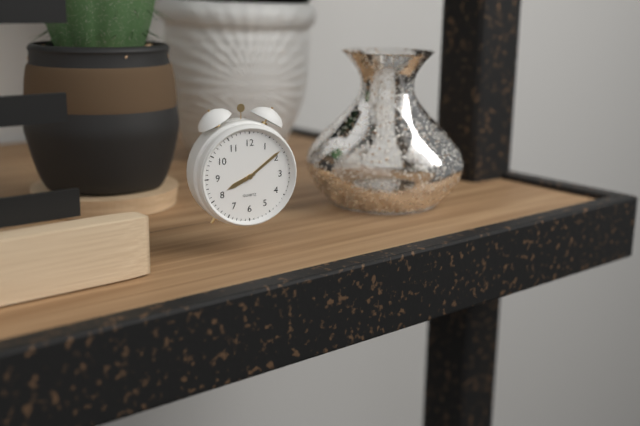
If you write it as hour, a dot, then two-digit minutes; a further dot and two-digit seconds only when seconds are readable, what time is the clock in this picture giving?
8.09
